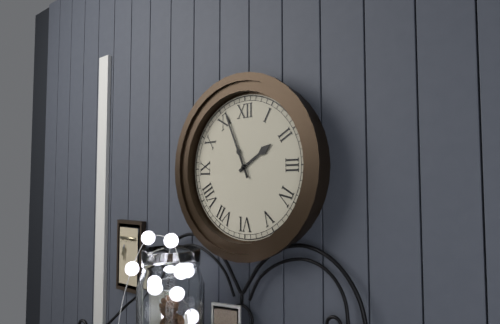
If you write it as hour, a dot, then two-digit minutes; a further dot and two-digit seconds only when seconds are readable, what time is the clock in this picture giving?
1.56
